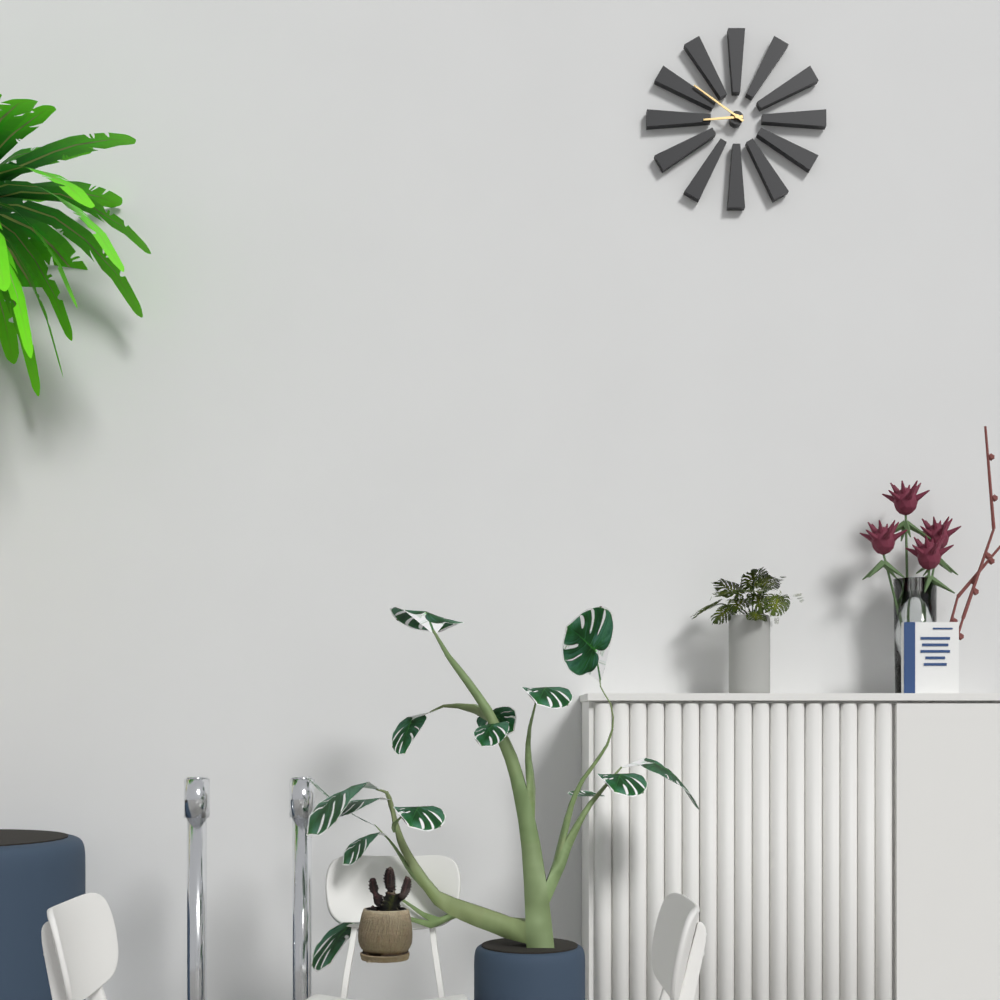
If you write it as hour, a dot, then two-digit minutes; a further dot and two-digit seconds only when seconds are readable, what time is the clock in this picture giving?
8.51
